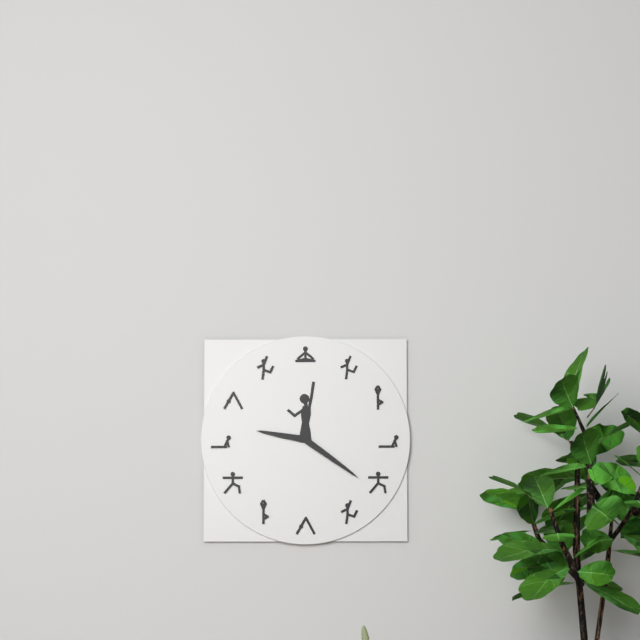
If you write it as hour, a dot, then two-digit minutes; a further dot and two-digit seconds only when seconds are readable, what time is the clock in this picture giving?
9.21
